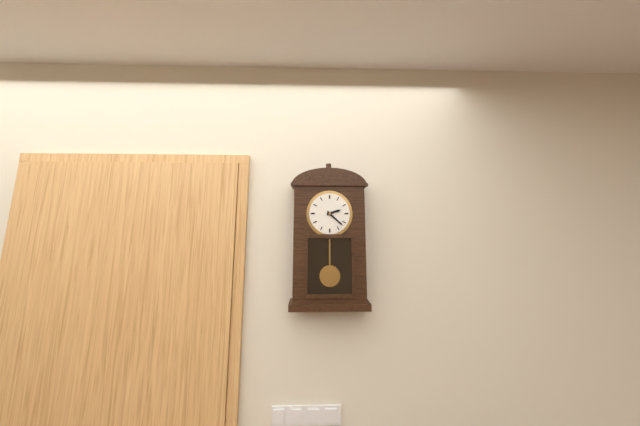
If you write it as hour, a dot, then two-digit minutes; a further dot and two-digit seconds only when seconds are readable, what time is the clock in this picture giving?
2.22
